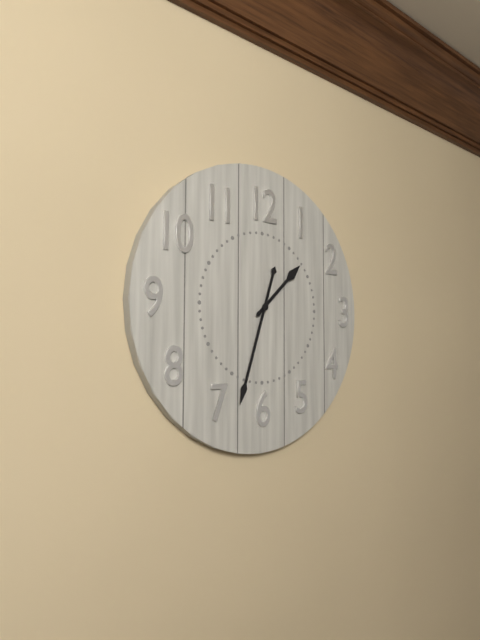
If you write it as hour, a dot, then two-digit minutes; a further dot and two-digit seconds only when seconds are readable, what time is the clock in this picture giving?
1.33
